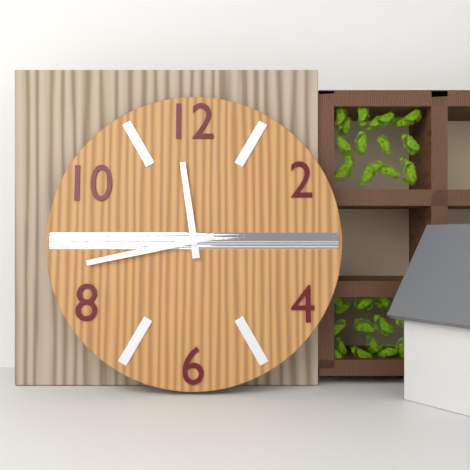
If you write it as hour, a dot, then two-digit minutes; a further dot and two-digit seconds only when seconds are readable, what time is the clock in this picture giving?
11.43
